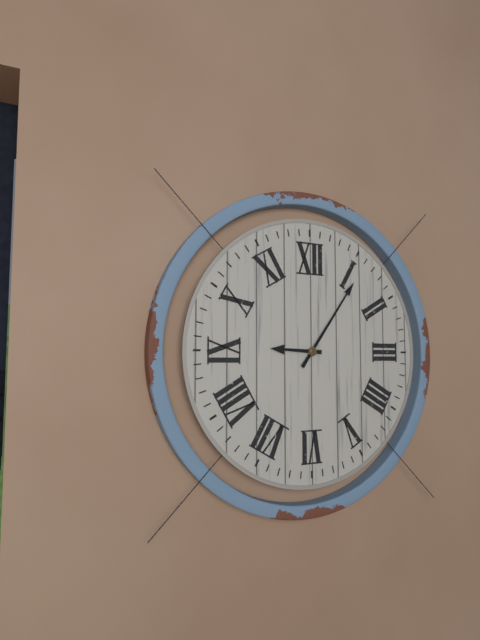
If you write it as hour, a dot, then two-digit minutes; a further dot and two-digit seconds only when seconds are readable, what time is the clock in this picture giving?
9.06
